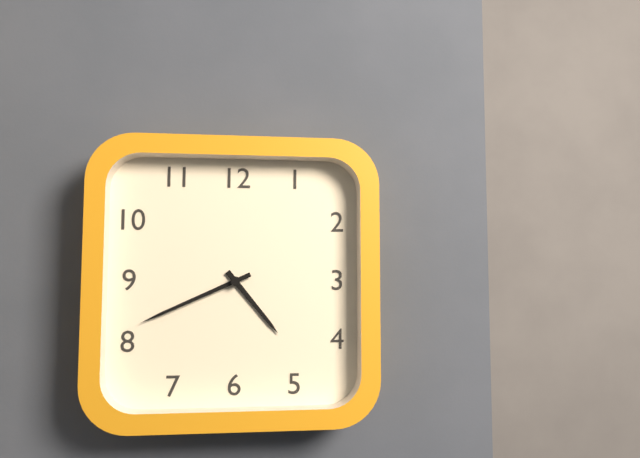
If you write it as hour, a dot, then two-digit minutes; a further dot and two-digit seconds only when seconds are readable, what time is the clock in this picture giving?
4.41
